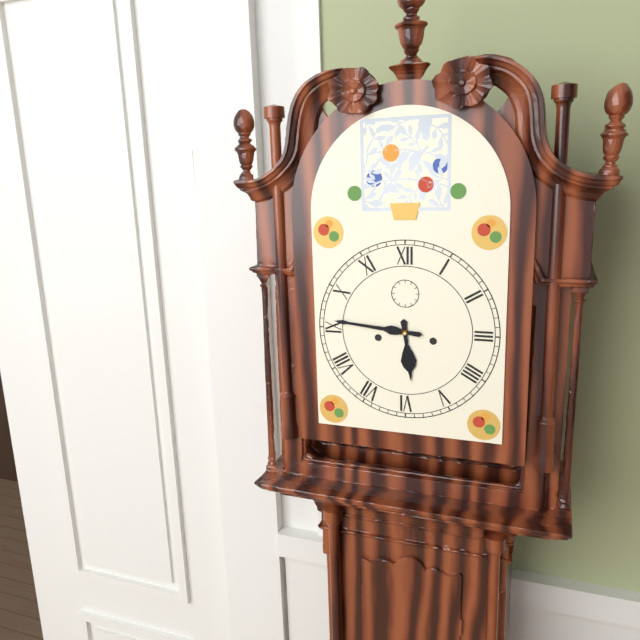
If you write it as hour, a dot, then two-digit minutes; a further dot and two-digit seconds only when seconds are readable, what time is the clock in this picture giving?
5.46
